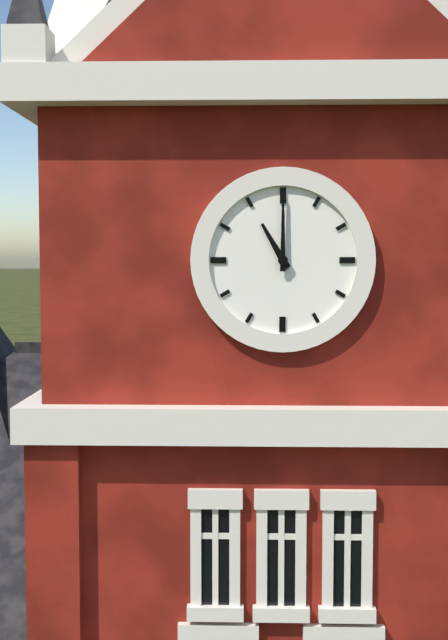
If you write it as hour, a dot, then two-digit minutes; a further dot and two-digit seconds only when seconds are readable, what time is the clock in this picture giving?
11.00
